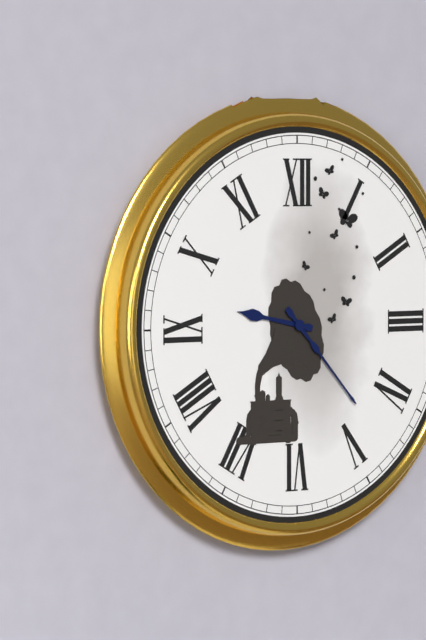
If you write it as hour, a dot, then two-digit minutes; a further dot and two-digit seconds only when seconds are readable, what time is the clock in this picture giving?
9.23
